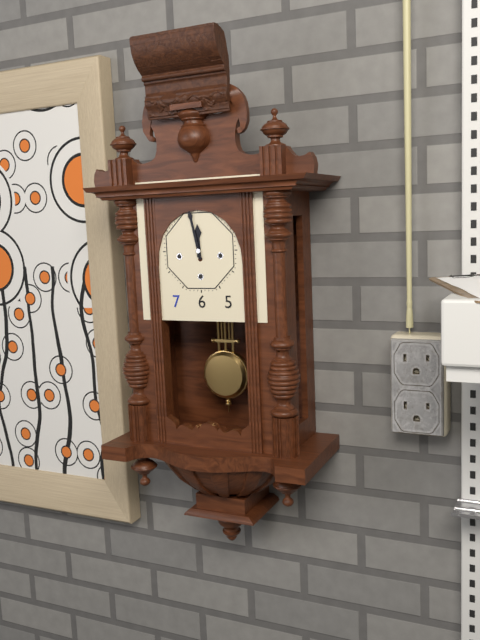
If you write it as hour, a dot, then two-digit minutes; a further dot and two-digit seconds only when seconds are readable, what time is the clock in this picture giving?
11.58
